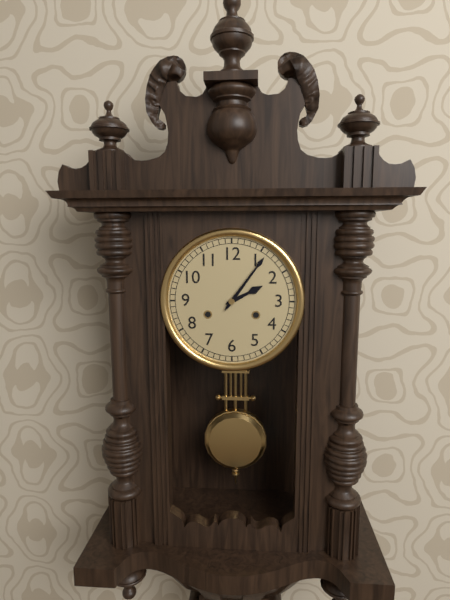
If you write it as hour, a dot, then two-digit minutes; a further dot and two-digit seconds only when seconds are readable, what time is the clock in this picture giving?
2.06
